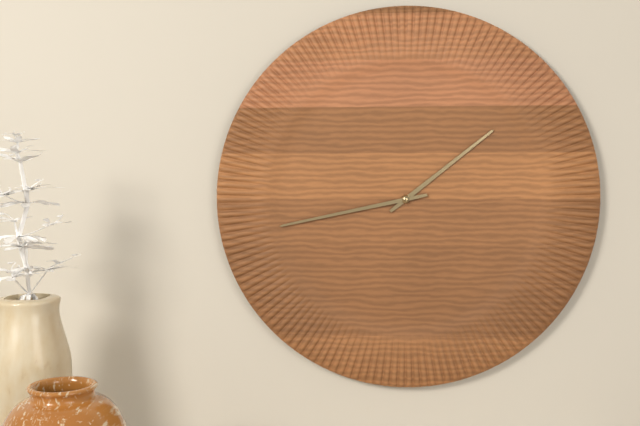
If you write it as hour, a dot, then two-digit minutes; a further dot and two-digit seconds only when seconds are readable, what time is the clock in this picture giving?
1.43
